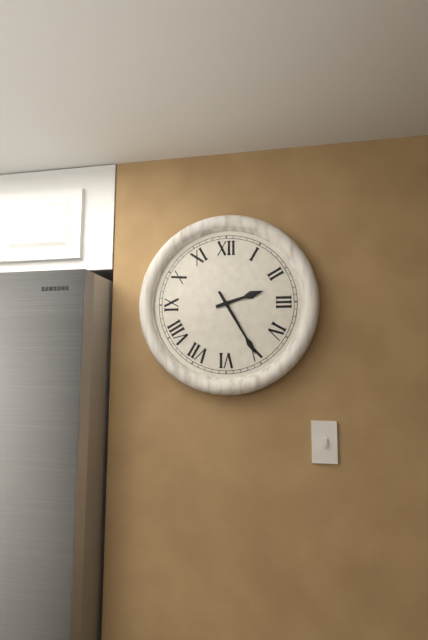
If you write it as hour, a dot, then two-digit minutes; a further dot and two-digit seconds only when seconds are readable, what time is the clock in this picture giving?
2.25
